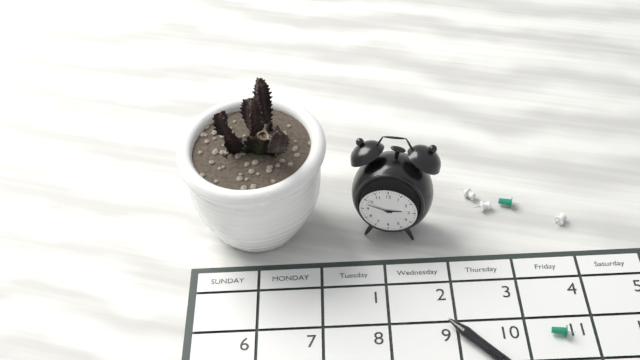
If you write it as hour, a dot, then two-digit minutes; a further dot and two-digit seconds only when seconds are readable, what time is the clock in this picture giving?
2.48
